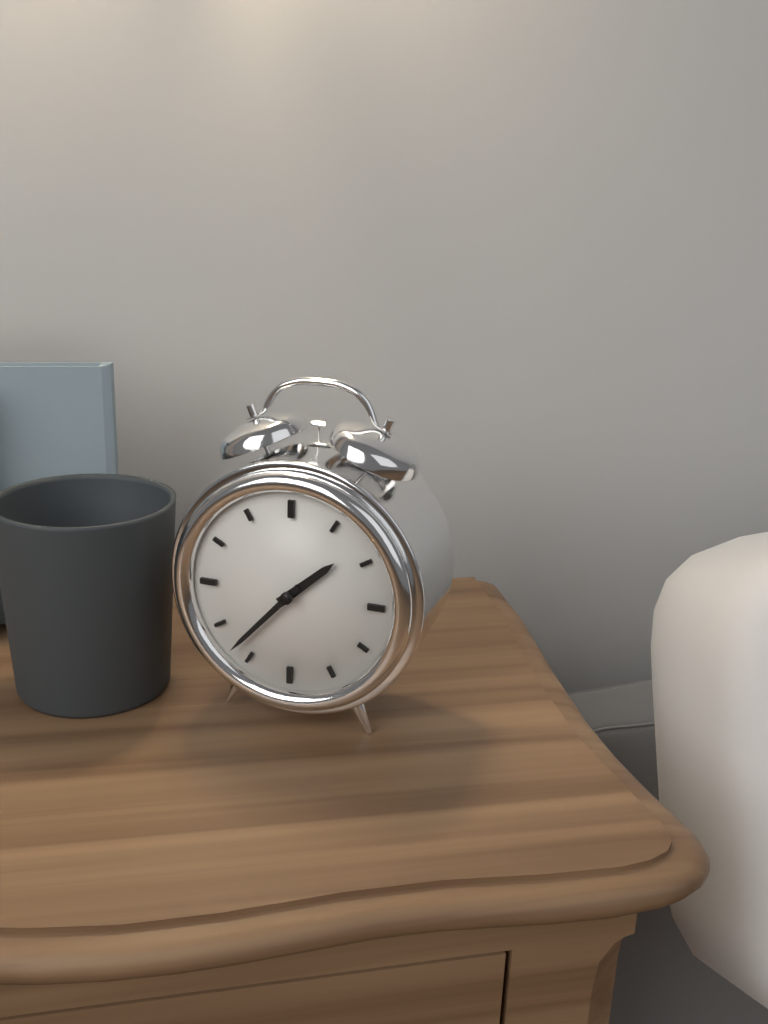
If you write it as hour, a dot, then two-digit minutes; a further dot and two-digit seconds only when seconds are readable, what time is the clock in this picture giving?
1.37
